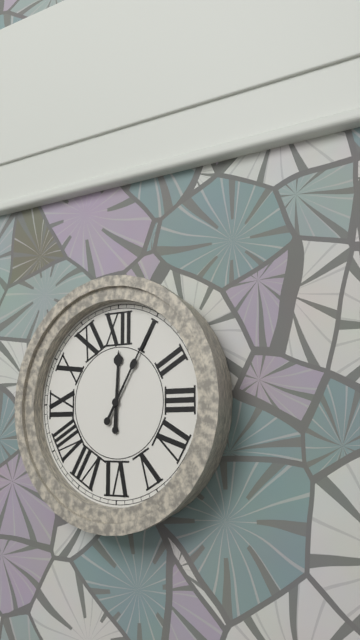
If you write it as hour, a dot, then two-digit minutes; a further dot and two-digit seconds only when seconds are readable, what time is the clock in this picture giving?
12.05
